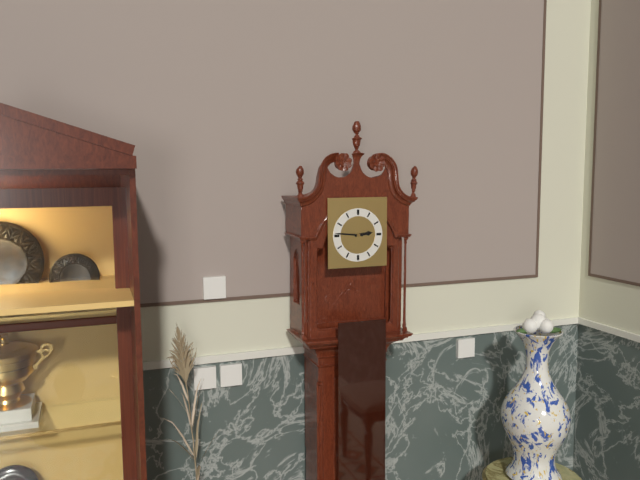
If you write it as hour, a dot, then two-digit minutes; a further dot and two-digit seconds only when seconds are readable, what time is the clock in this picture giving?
2.46
